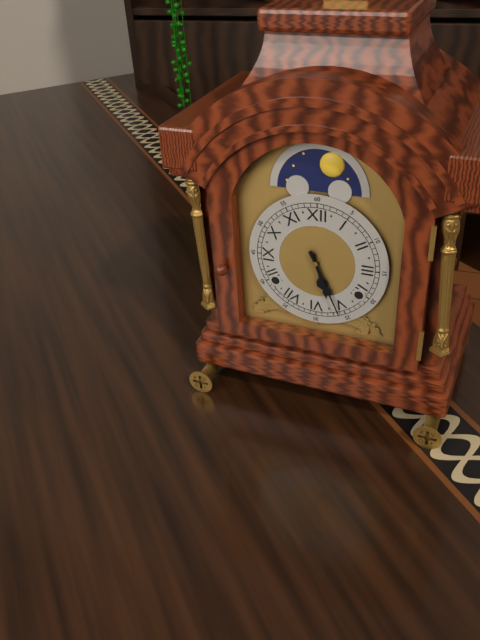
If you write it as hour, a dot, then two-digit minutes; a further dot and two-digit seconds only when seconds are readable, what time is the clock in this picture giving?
5.26
